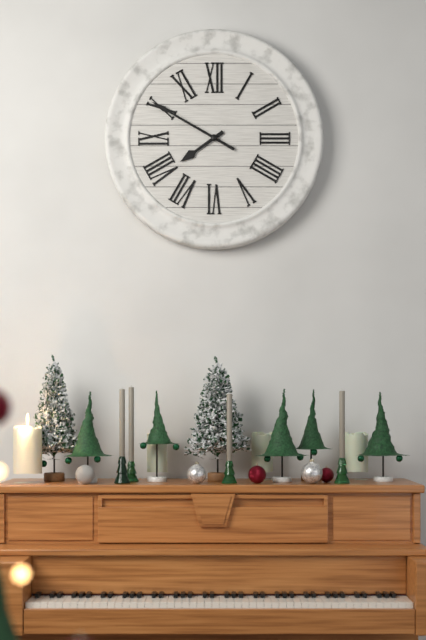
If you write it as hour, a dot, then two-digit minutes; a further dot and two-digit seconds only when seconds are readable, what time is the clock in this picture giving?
7.50
